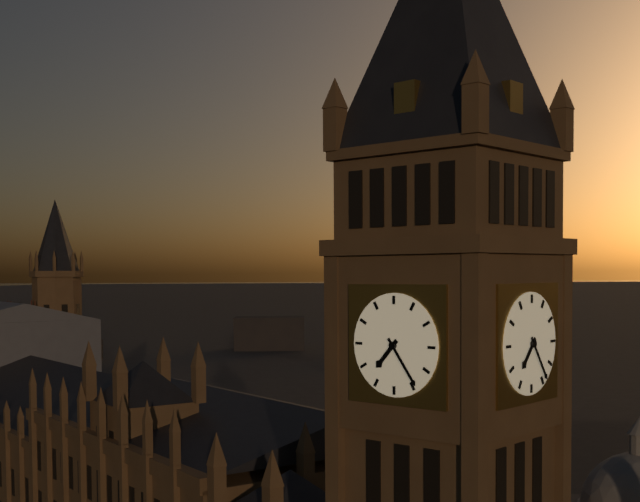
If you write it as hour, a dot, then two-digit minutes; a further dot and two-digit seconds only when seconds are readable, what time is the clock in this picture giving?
7.24
